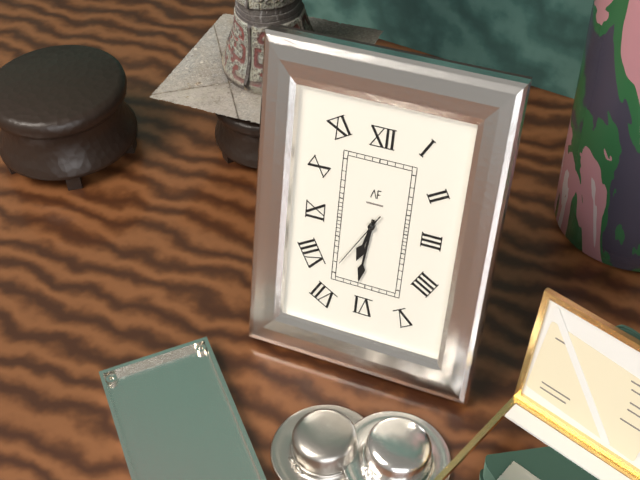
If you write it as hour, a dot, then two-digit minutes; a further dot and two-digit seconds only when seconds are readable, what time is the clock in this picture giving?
6.31.35
